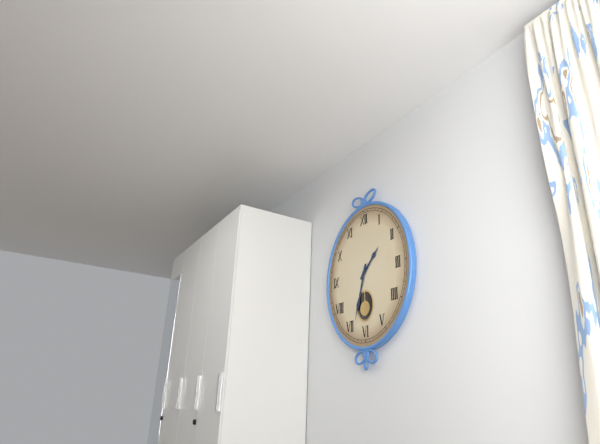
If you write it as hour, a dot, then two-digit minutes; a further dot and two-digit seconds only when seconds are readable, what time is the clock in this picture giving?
1.33
